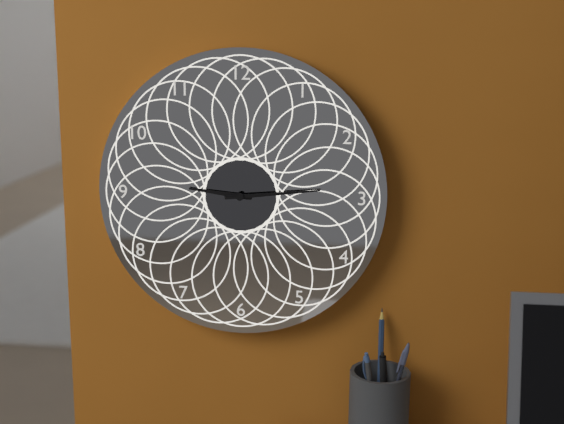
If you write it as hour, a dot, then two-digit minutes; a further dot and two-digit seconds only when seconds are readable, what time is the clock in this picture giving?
9.14
